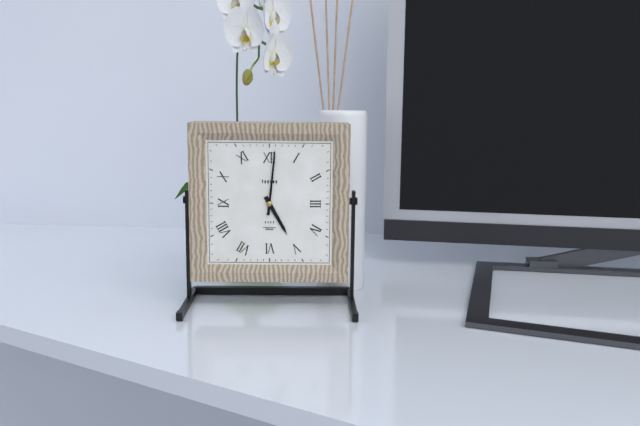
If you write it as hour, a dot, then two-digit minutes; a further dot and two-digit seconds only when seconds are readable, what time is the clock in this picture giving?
5.01
